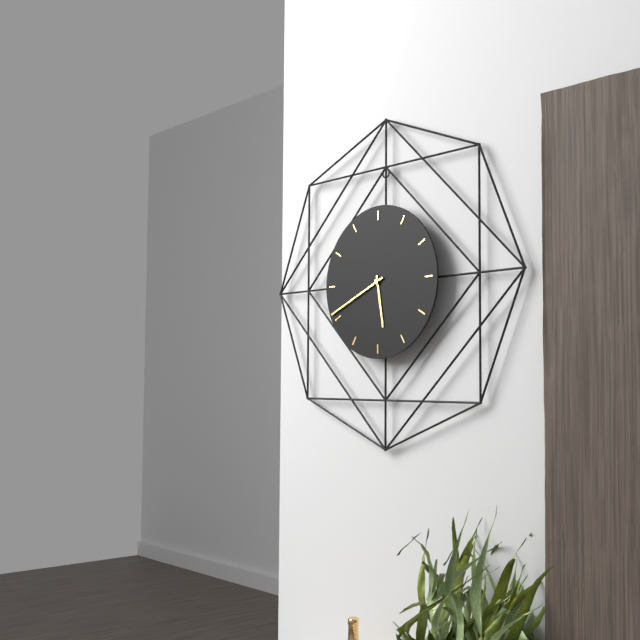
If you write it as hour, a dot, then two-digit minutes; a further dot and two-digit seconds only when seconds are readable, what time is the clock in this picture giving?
5.41
